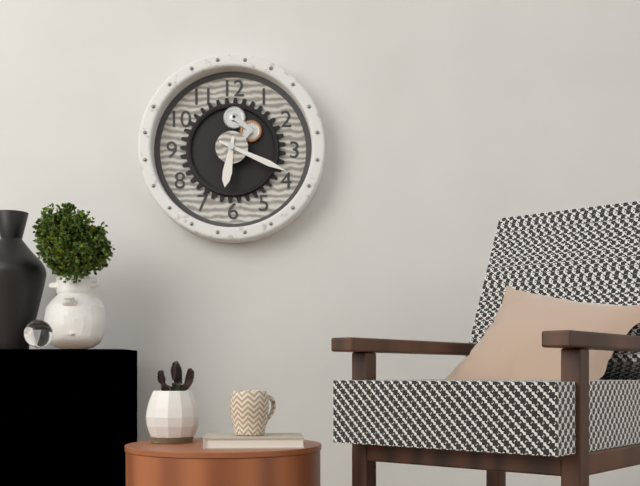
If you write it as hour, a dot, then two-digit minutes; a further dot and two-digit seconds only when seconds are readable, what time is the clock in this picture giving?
6.19
